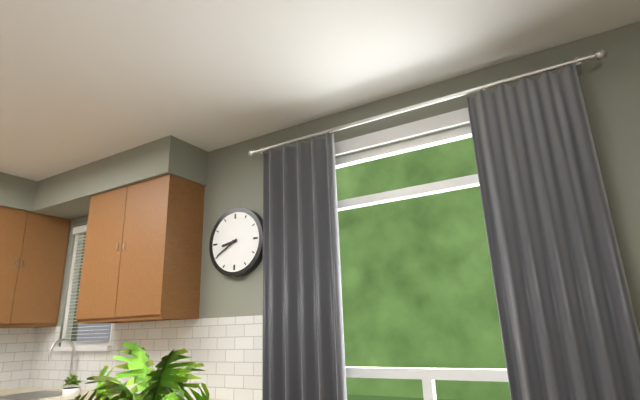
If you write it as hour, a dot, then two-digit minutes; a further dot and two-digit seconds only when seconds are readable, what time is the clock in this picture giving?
8.40
